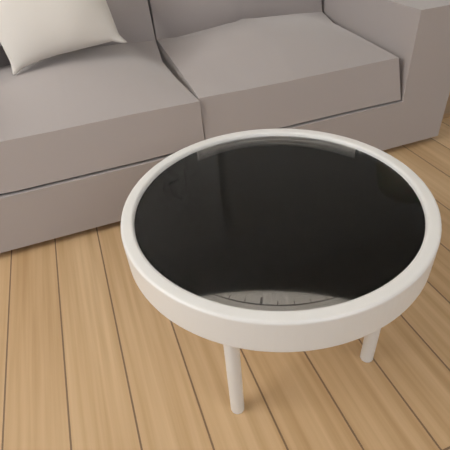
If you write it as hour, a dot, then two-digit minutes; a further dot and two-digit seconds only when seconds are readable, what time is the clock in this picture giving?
7.43
